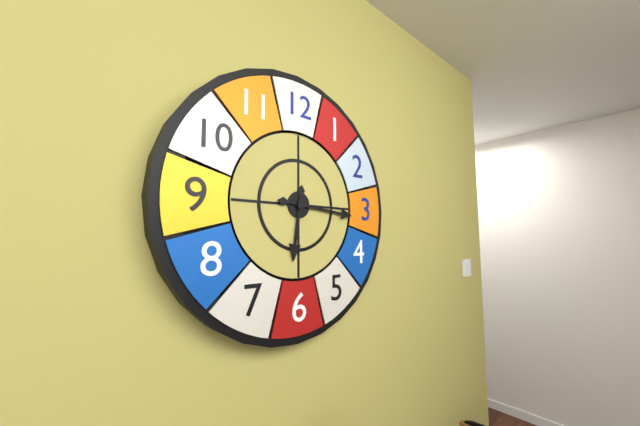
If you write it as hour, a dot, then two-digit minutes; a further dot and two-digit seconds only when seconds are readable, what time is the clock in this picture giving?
6.16
